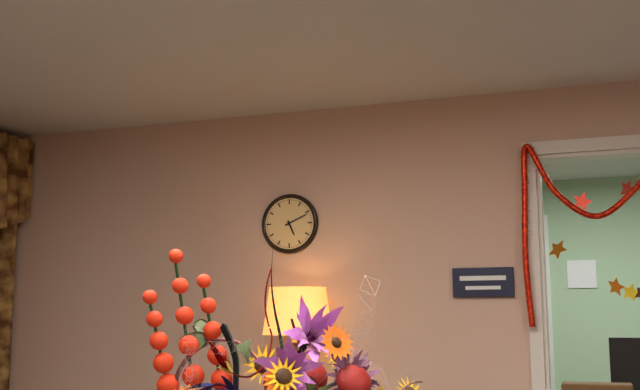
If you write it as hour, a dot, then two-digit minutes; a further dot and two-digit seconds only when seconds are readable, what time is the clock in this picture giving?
5.11
